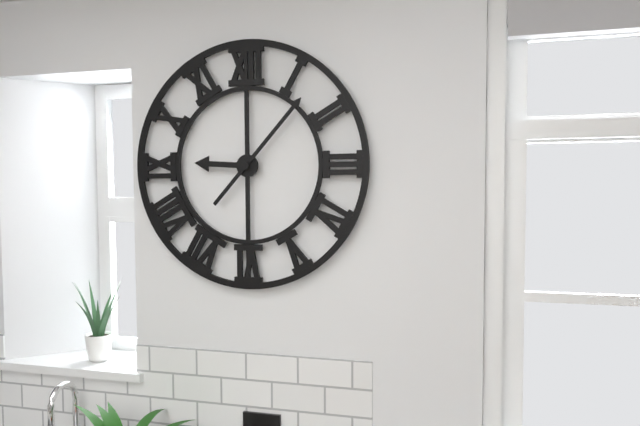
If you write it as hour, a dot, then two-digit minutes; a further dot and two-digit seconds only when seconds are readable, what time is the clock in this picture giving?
9.07
